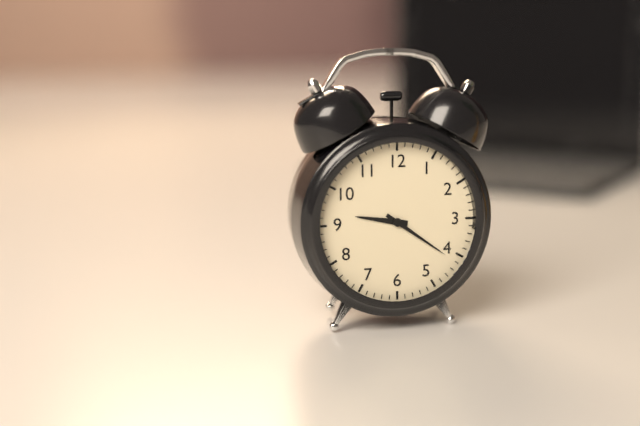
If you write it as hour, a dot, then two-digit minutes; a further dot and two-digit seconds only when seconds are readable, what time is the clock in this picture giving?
9.21
